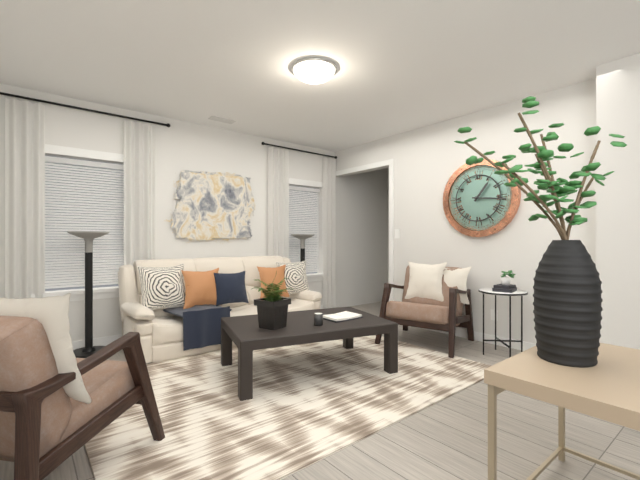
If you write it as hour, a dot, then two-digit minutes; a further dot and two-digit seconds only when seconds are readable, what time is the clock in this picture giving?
1.16
